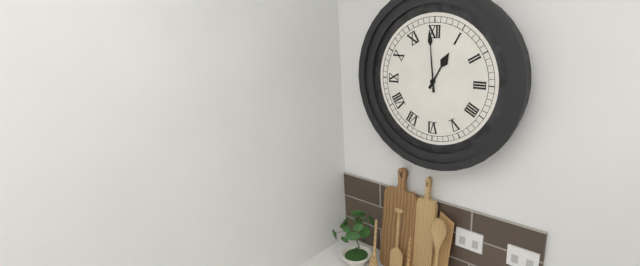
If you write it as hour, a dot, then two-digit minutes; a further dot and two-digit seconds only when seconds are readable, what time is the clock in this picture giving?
12.59
